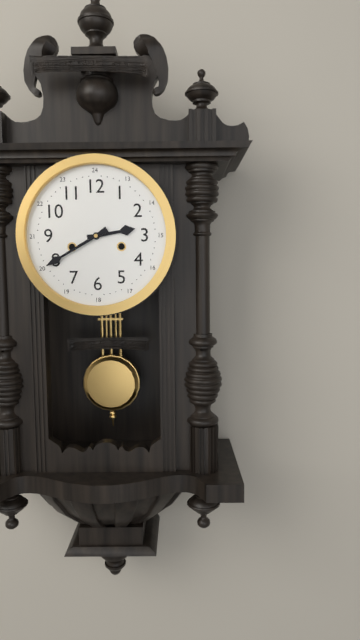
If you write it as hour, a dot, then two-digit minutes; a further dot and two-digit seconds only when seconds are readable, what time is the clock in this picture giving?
2.40
